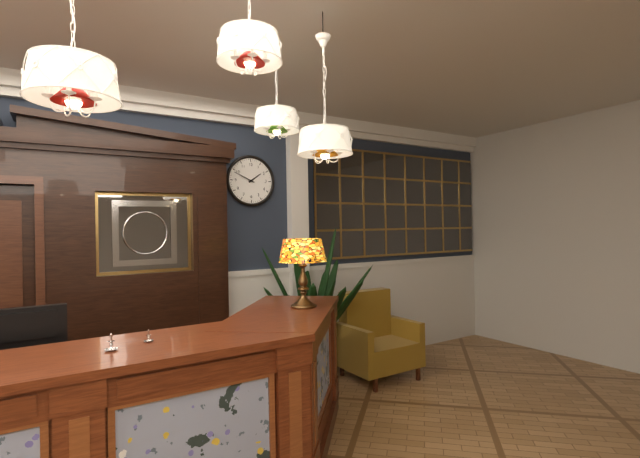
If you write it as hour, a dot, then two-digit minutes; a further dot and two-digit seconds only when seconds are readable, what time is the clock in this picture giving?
1.49
